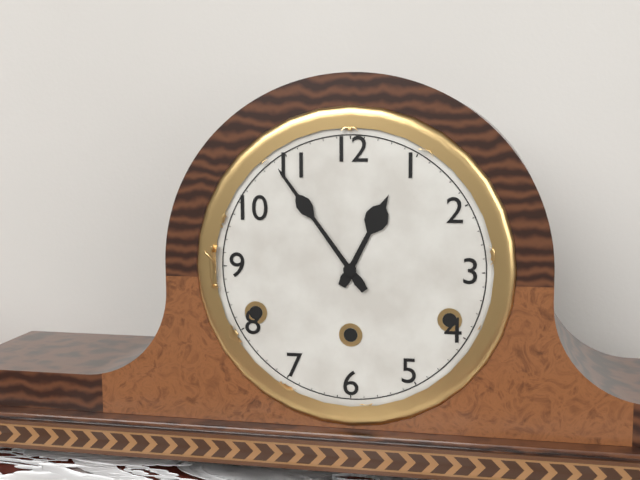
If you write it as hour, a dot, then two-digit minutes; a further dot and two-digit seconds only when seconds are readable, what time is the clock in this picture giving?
12.54
